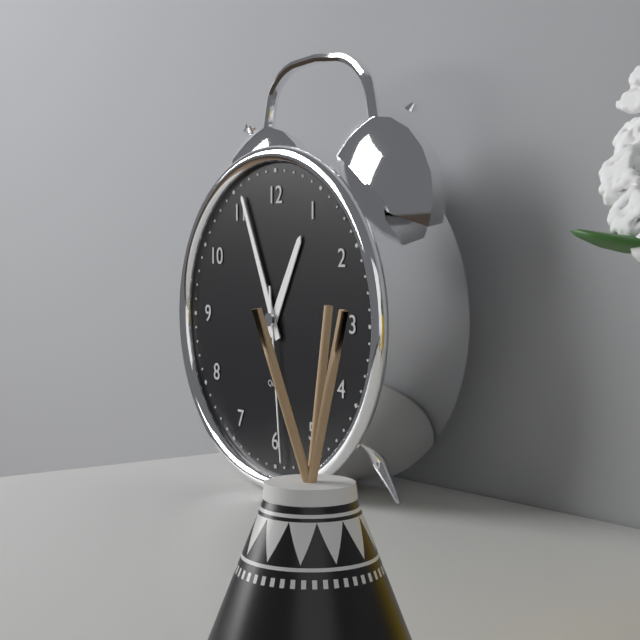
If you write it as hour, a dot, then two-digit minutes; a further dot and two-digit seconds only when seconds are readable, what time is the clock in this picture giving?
12.56.29
